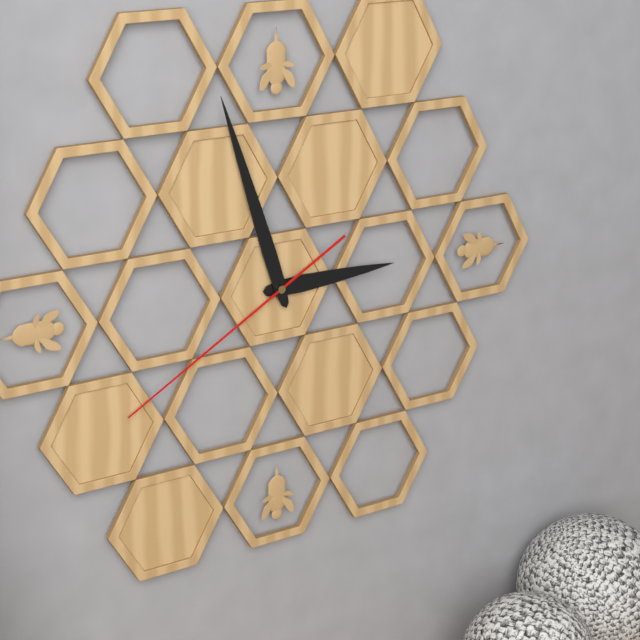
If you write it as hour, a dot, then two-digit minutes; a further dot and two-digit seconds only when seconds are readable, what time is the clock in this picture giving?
2.57.40
